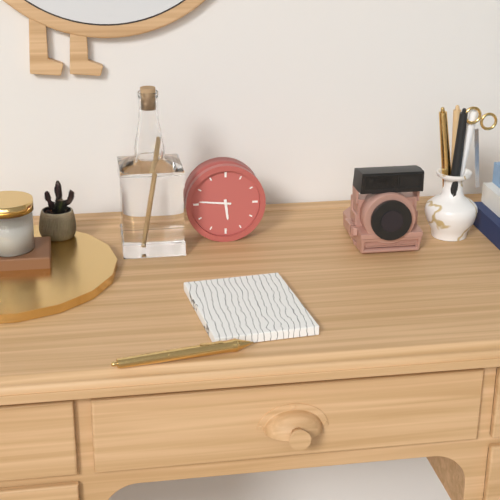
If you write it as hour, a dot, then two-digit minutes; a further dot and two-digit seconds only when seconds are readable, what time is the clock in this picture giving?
5.46
